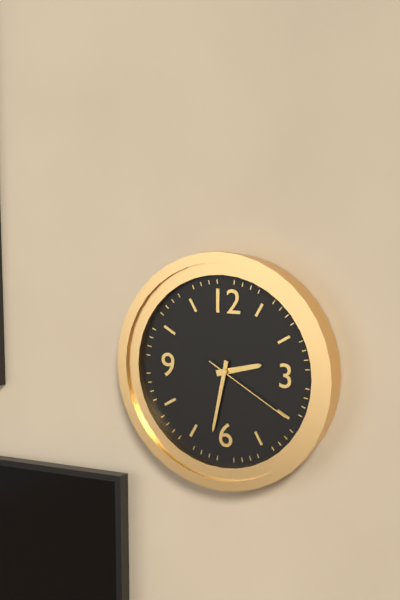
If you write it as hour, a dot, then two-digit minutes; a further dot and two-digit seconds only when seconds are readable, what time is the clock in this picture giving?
2.32.20
